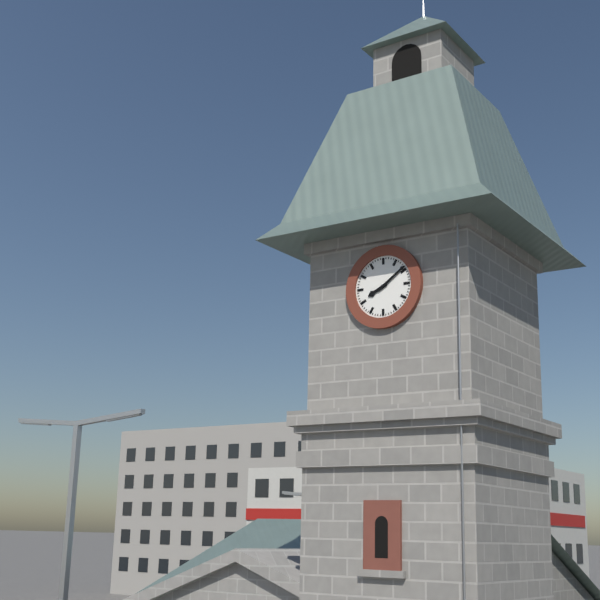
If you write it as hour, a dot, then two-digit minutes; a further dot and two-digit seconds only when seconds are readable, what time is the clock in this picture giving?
8.09
